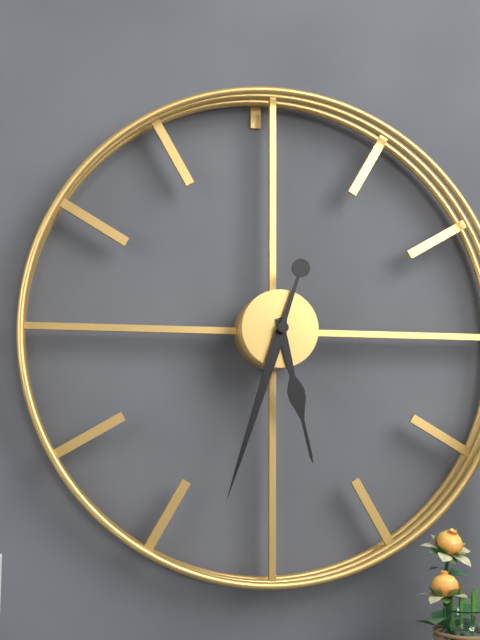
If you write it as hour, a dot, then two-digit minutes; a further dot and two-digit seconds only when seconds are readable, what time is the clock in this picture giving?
5.33
